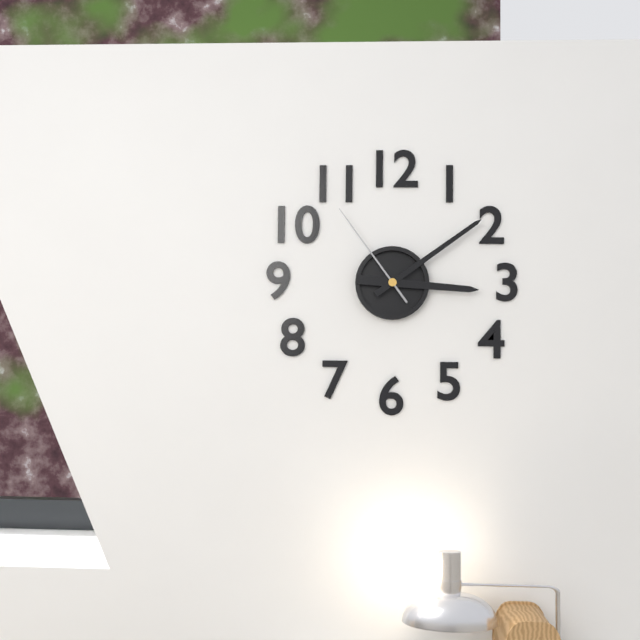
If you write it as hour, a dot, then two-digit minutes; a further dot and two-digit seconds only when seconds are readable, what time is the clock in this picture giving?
3.09.54
